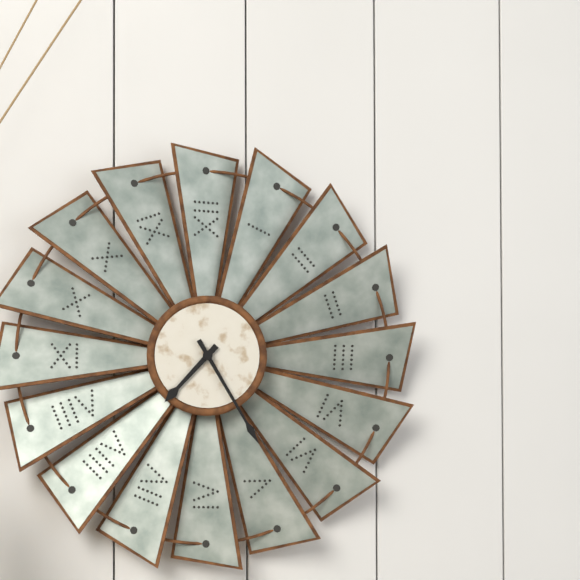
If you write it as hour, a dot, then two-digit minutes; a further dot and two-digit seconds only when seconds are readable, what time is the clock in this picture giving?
7.25
